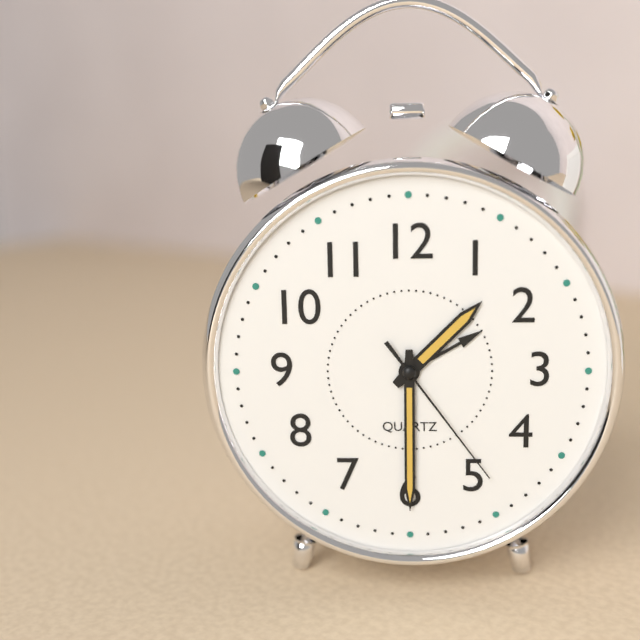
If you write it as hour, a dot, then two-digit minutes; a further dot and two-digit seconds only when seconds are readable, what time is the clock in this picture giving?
1.30.24
